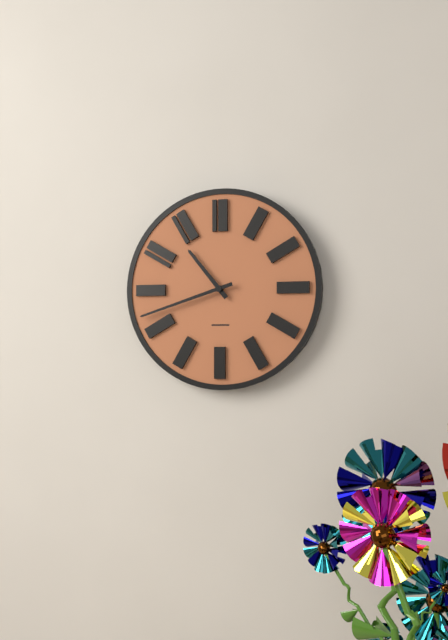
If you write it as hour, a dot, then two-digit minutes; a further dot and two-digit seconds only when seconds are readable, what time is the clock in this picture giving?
10.42
